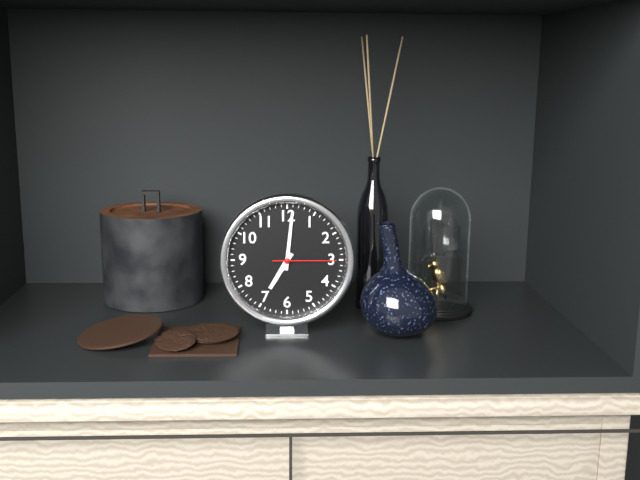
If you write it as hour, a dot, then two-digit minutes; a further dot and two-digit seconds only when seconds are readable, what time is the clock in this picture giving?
7.01.15
